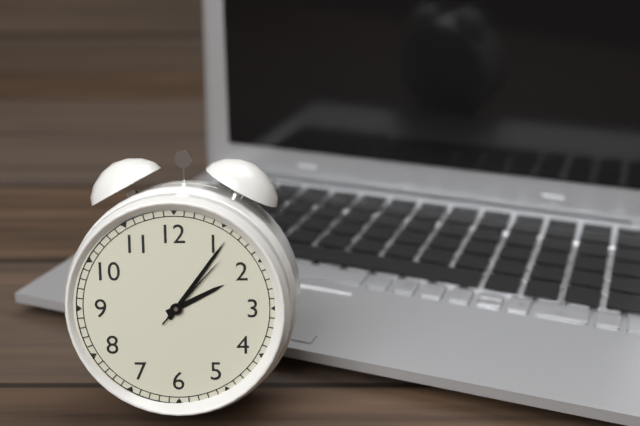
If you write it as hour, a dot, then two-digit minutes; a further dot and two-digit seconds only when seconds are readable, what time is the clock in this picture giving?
2.06.07
